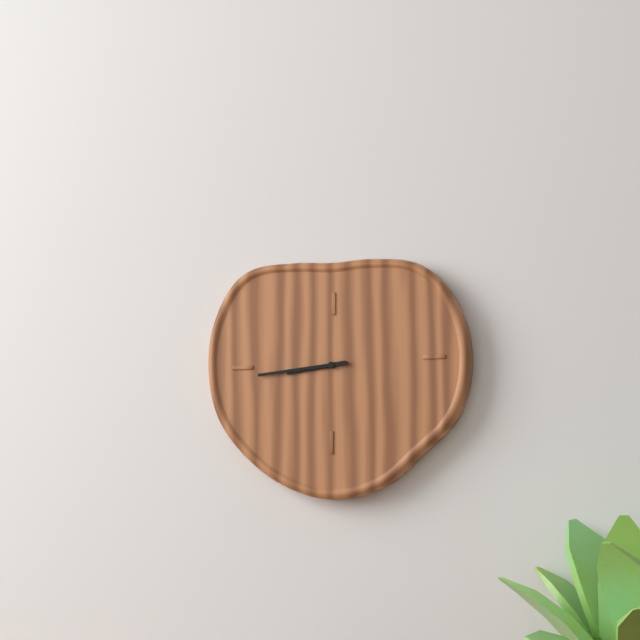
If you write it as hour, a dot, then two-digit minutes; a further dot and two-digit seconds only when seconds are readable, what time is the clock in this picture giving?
8.44
